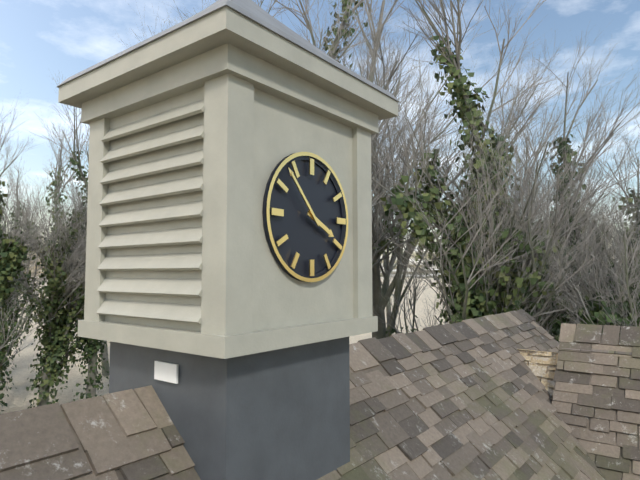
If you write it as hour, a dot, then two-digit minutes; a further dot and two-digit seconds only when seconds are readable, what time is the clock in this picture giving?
3.53
